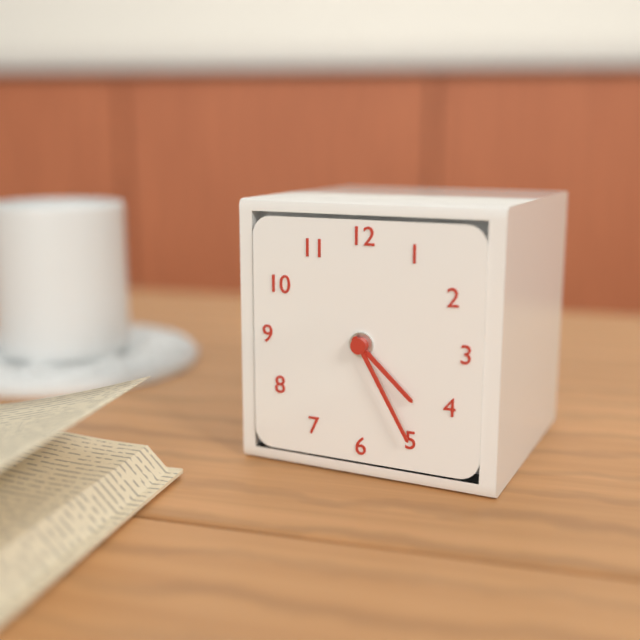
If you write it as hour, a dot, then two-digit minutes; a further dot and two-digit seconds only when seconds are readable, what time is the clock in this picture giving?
4.25
